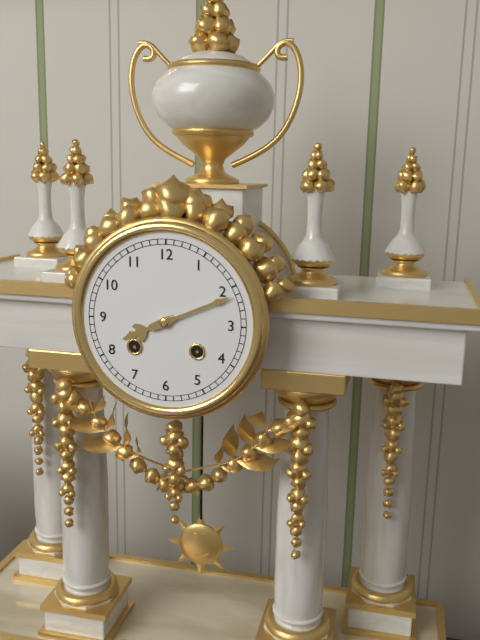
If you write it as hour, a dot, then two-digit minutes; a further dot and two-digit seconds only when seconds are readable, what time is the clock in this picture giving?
8.11
